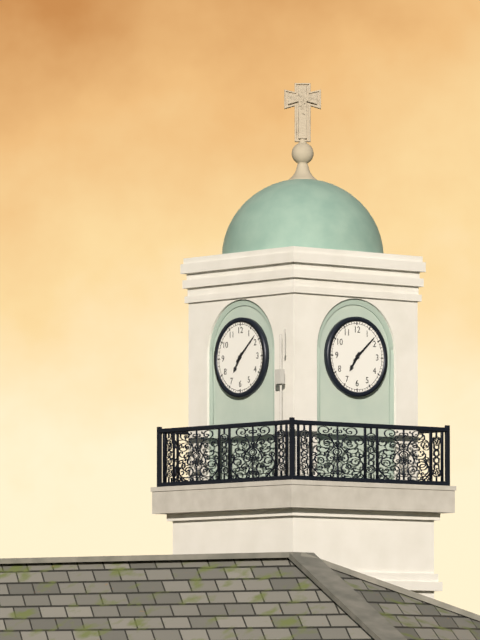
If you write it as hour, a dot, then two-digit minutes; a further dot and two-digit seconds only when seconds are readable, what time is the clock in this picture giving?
7.08
